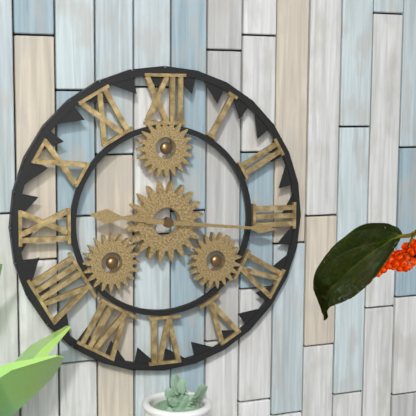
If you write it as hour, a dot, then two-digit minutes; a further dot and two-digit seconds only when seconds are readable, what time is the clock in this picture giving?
9.16
